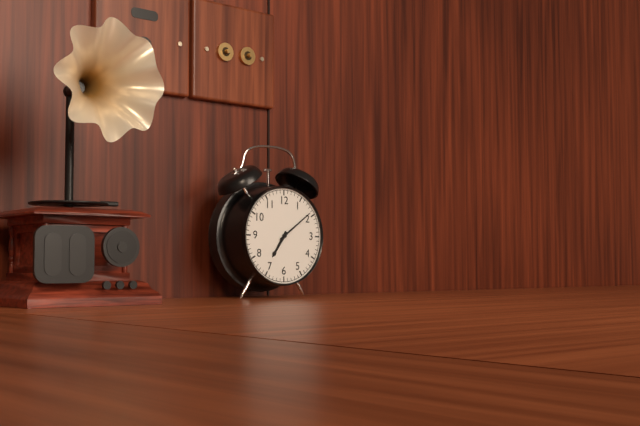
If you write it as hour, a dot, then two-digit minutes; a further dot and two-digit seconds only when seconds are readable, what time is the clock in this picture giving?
7.09
